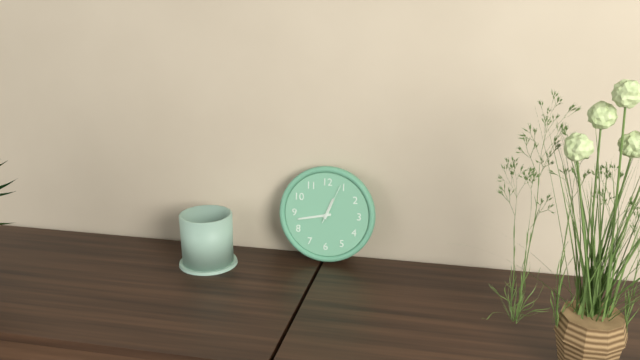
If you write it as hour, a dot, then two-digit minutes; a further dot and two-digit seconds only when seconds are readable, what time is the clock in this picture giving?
12.43
